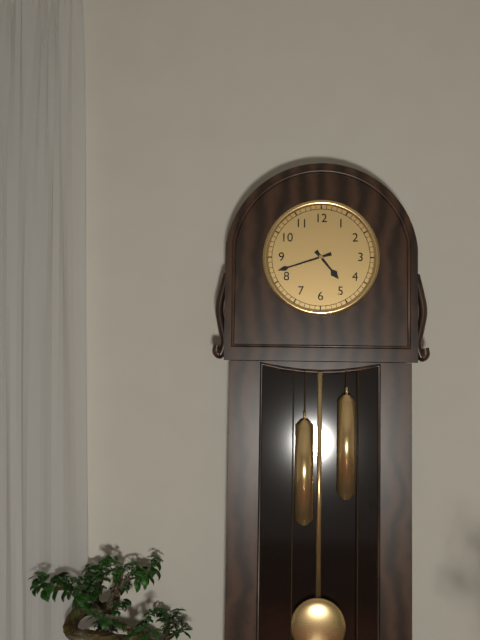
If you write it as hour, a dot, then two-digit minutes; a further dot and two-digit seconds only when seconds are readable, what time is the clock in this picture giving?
4.42
